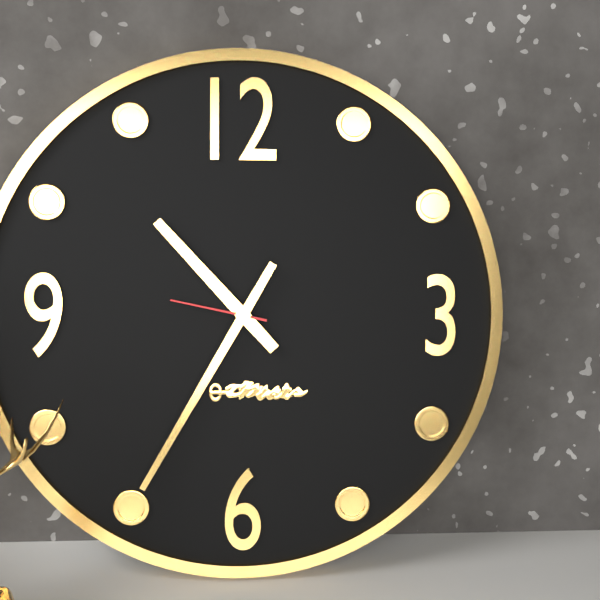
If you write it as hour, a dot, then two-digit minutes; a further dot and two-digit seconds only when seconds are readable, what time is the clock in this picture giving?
10.35.47
